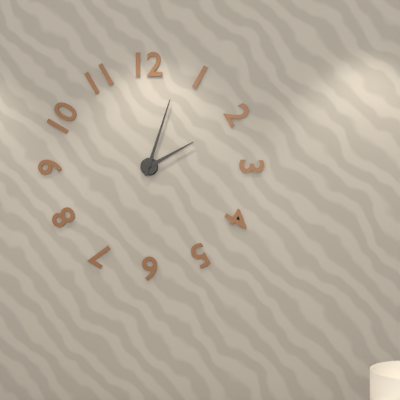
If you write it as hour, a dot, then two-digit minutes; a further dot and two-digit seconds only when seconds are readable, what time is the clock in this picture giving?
2.03
